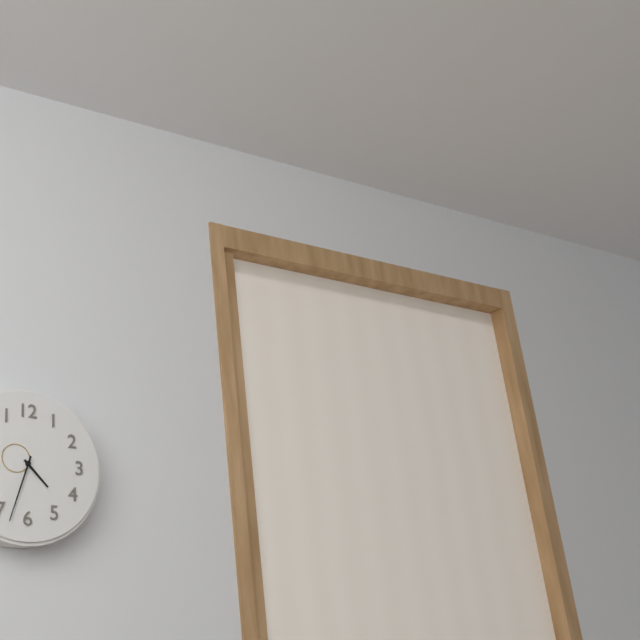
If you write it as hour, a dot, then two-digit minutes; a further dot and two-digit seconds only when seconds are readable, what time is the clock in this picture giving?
4.33
